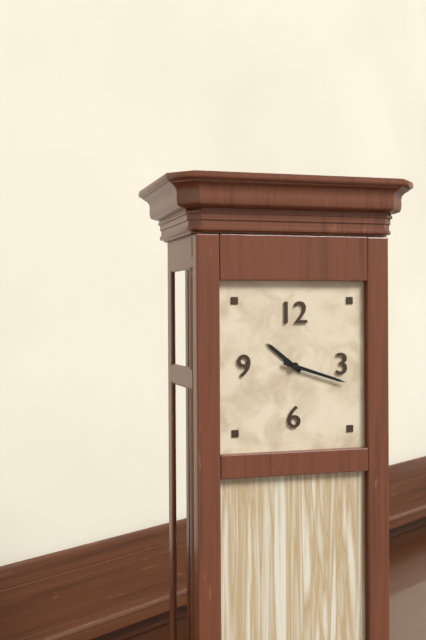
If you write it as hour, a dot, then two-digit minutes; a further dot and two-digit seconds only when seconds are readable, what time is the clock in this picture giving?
10.18
